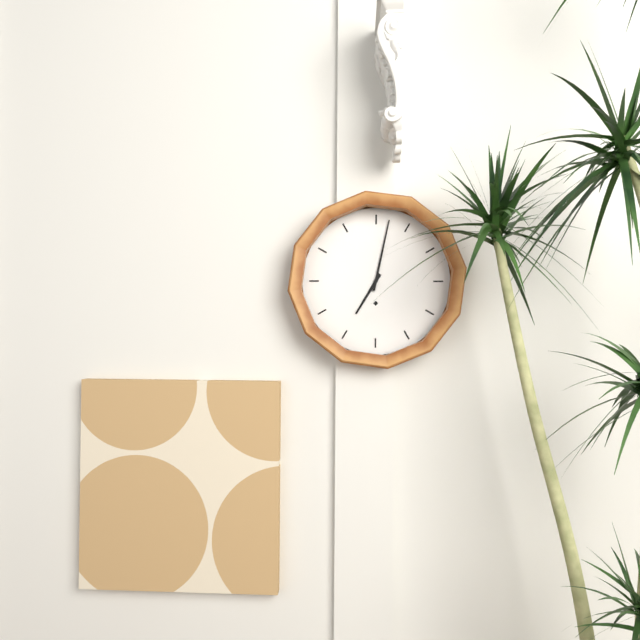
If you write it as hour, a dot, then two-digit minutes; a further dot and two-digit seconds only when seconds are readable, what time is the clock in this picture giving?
7.02
